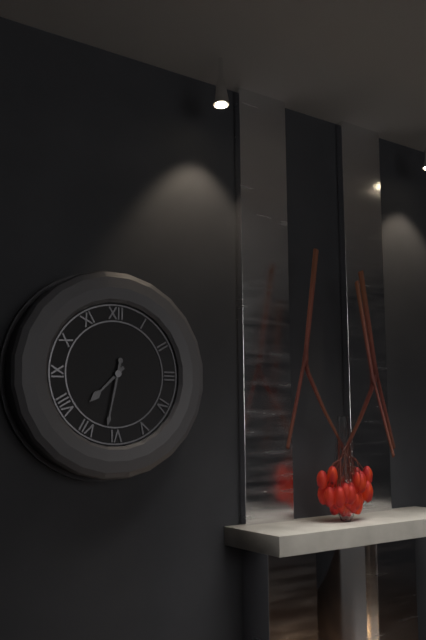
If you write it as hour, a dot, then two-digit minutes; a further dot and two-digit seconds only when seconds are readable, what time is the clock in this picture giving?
7.32
